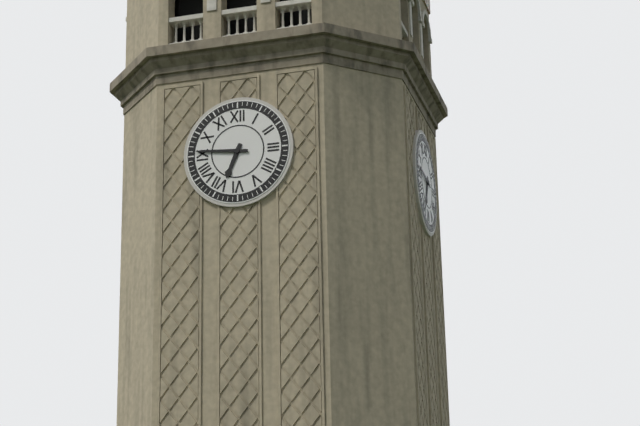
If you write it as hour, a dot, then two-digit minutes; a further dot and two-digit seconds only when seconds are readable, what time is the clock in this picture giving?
6.46
